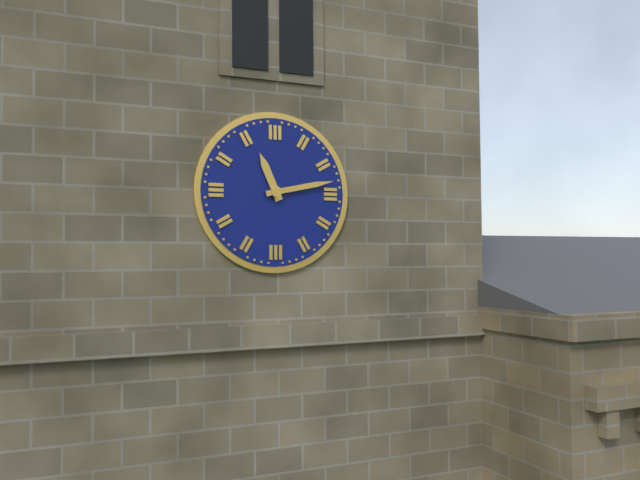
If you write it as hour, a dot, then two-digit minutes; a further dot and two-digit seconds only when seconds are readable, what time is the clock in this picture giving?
11.13
